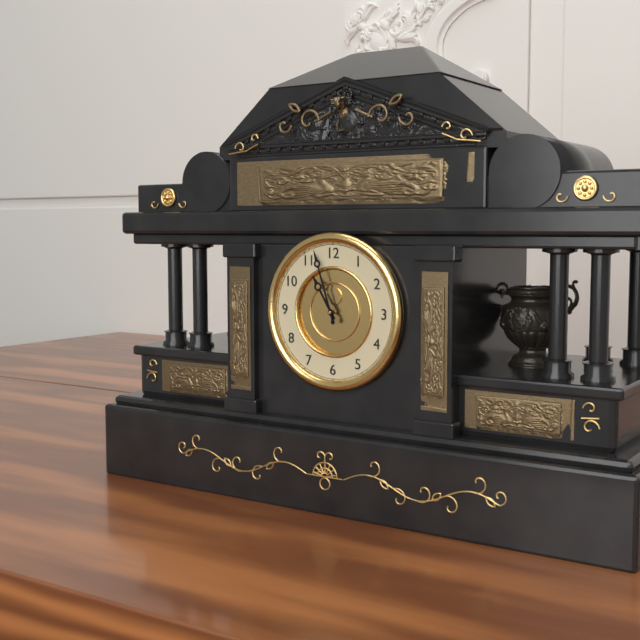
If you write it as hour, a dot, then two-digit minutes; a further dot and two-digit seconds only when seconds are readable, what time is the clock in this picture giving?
10.57
